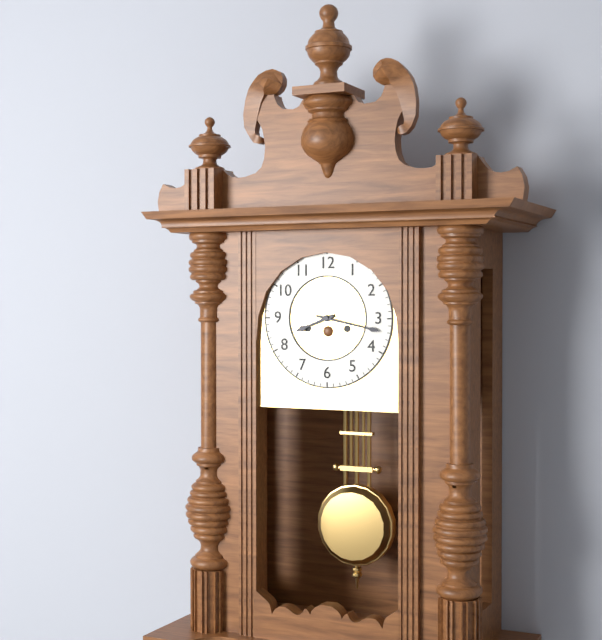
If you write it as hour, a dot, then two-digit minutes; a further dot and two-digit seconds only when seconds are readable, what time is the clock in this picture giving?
8.17
